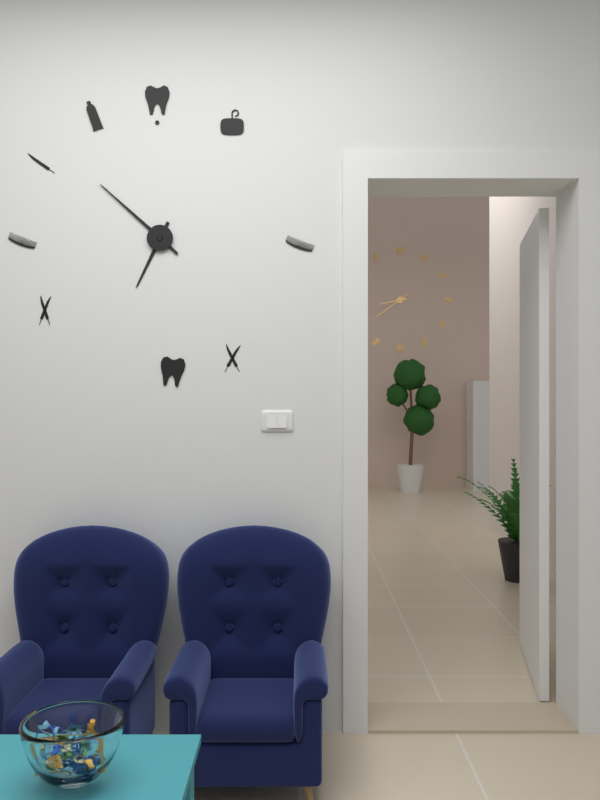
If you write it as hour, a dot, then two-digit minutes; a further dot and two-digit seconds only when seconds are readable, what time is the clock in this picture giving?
6.52
